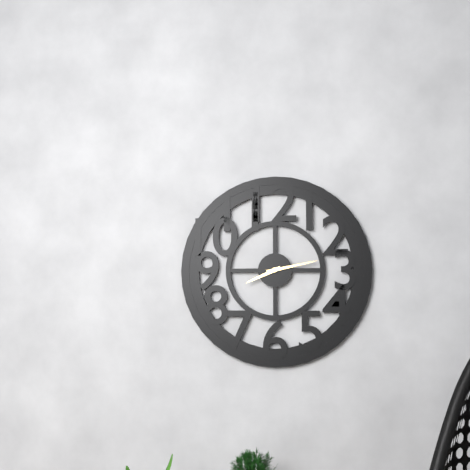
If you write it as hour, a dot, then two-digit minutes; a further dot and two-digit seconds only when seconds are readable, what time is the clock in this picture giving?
8.13
